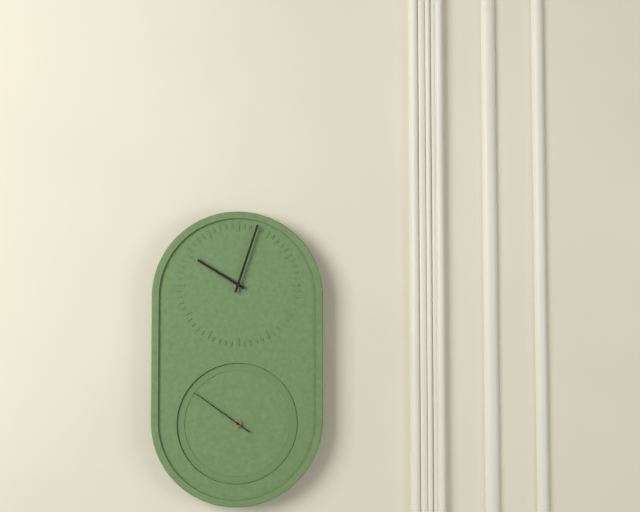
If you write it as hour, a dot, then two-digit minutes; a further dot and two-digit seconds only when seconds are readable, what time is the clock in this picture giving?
10.03.51
